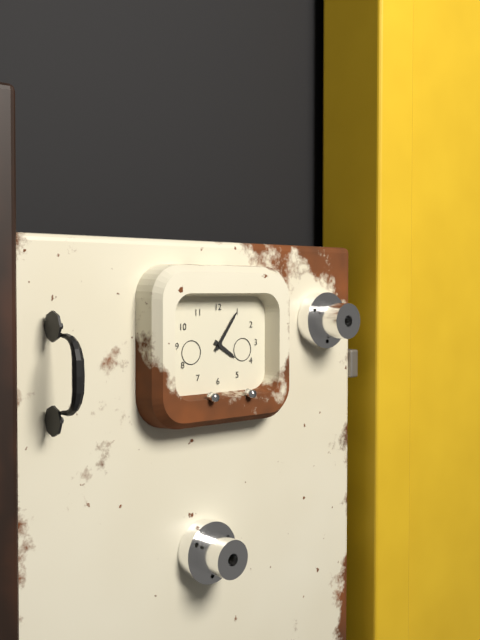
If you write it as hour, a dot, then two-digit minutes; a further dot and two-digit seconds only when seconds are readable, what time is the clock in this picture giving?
4.06
